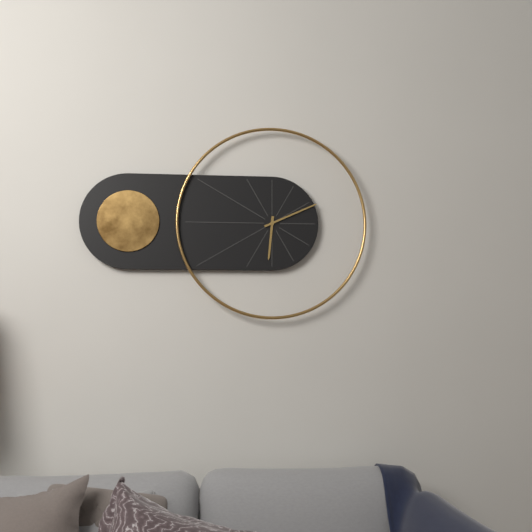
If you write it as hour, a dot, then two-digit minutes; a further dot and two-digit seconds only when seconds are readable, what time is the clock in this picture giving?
6.11
